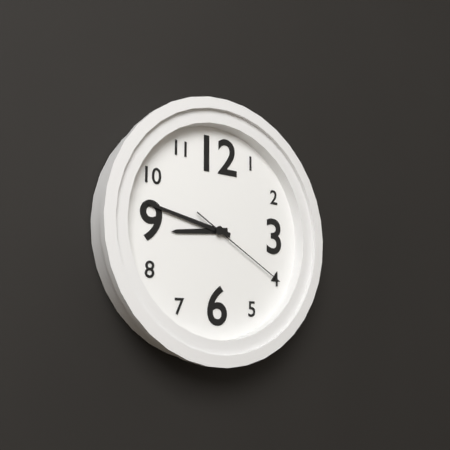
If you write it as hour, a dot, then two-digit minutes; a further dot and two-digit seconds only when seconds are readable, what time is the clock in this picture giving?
8.47.20
